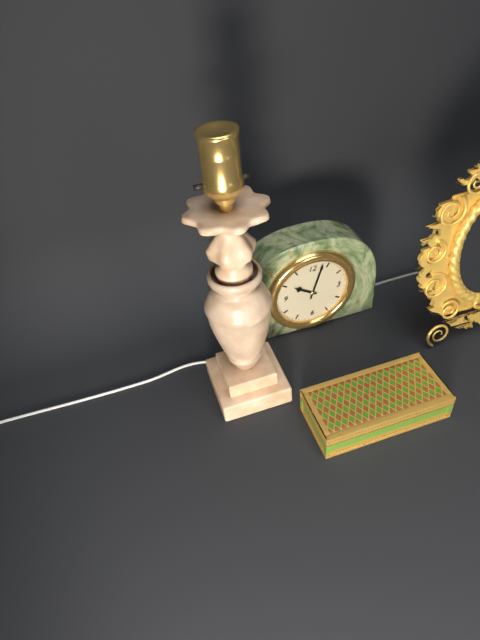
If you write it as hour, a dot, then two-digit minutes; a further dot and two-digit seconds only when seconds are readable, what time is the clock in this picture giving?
10.03
